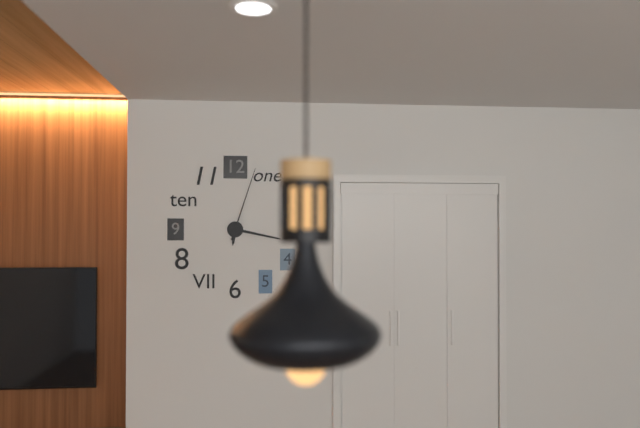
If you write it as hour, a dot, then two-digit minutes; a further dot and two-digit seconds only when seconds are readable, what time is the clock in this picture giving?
6.17.03
